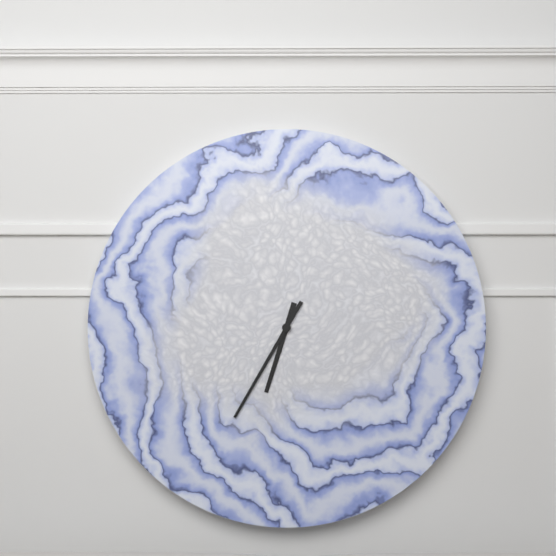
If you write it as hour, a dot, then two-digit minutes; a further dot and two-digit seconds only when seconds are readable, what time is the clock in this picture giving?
6.35
